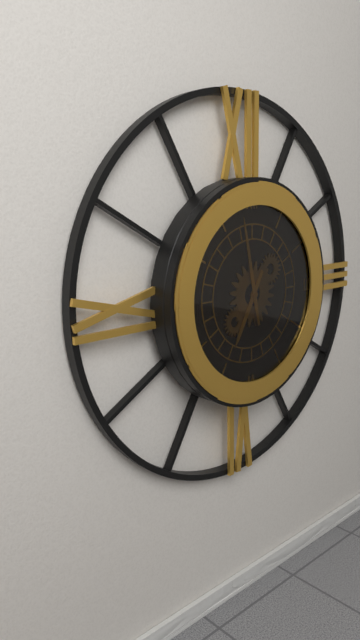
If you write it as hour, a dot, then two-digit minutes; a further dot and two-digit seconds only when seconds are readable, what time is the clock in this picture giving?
6.58
